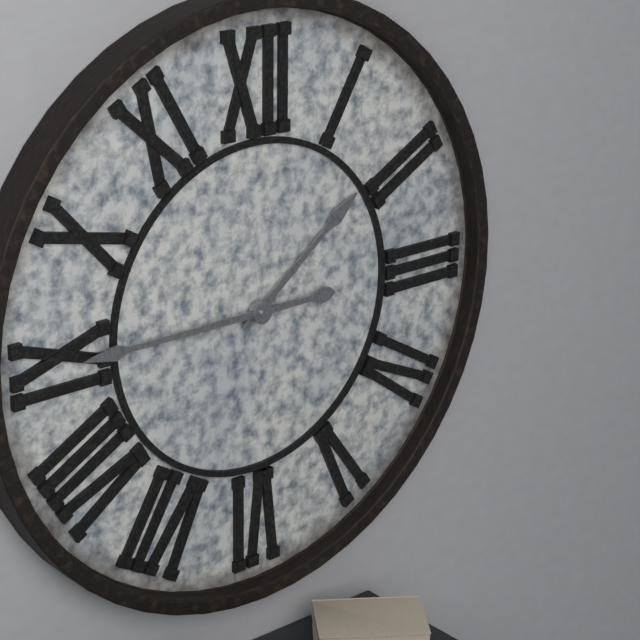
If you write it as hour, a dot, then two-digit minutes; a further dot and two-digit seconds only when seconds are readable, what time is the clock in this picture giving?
1.45
